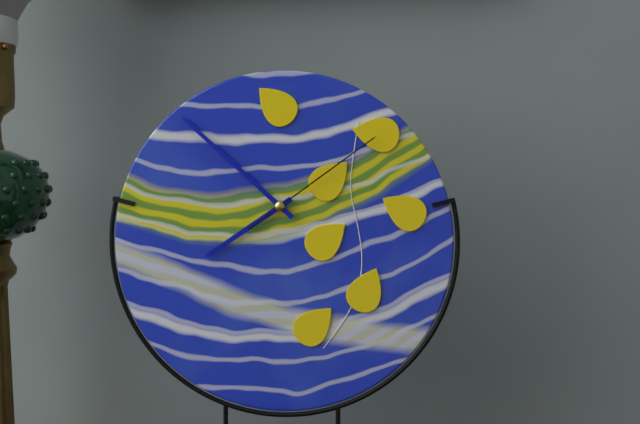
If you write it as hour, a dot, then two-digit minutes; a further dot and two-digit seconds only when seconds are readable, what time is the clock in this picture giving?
7.52.09
